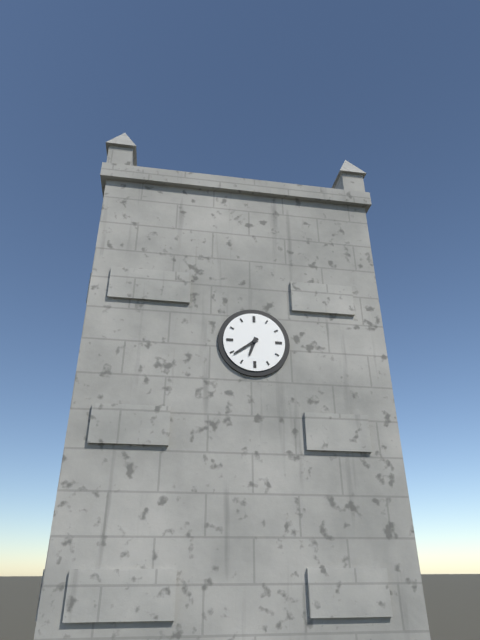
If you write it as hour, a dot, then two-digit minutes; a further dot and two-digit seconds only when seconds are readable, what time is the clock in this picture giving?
6.39
